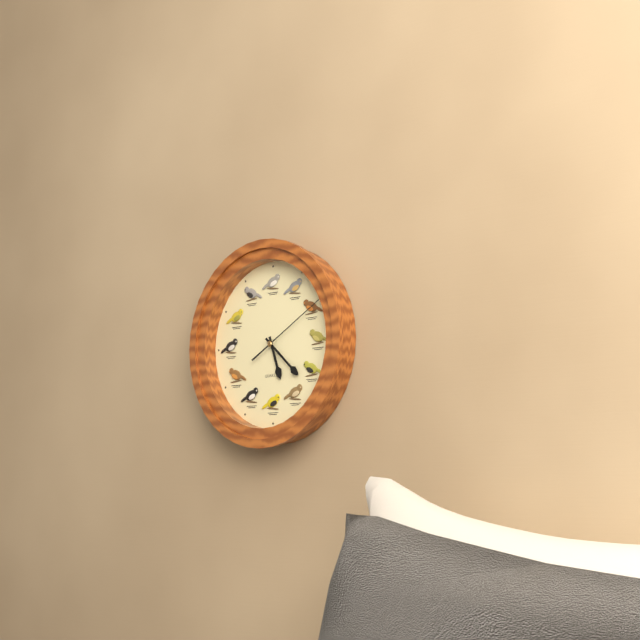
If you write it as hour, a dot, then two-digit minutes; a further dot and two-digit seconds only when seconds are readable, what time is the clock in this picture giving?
5.22.10
